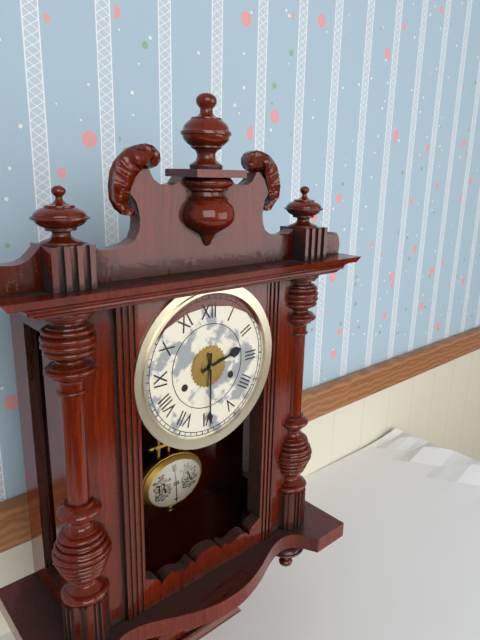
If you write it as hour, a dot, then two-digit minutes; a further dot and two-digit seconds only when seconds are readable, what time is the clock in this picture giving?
2.30
